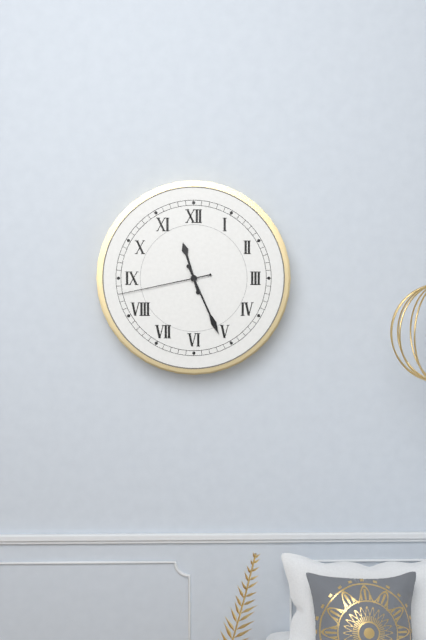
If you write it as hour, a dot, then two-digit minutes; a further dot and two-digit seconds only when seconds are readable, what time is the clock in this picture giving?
11.26.43
